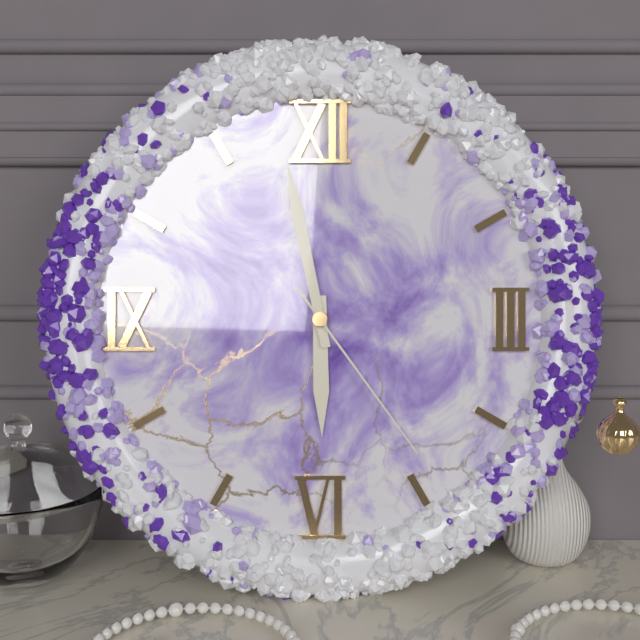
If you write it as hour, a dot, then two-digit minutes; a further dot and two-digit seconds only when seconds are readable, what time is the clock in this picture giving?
5.58.24
